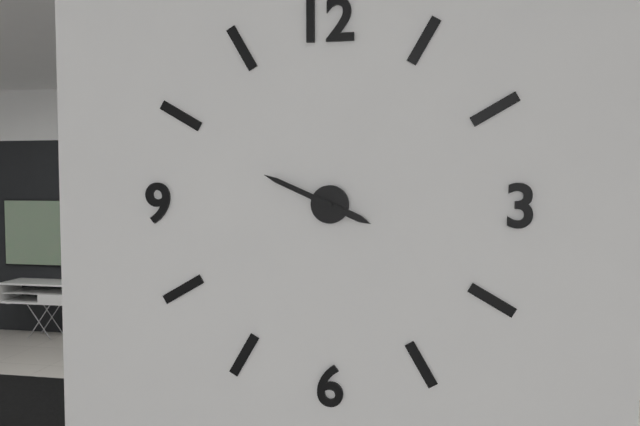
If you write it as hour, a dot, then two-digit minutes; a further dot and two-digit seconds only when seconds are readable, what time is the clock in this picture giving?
3.49.49
